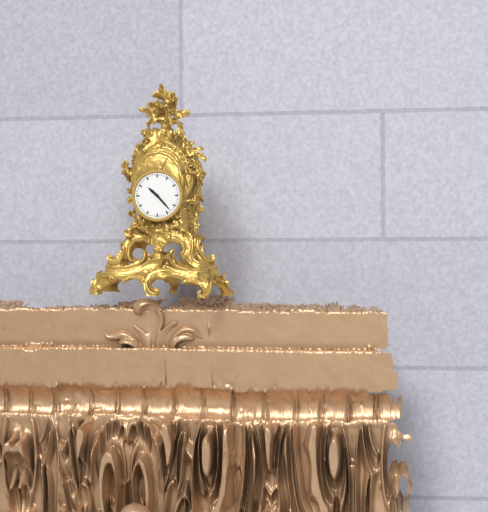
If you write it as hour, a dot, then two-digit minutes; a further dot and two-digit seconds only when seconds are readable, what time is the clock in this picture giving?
10.23
